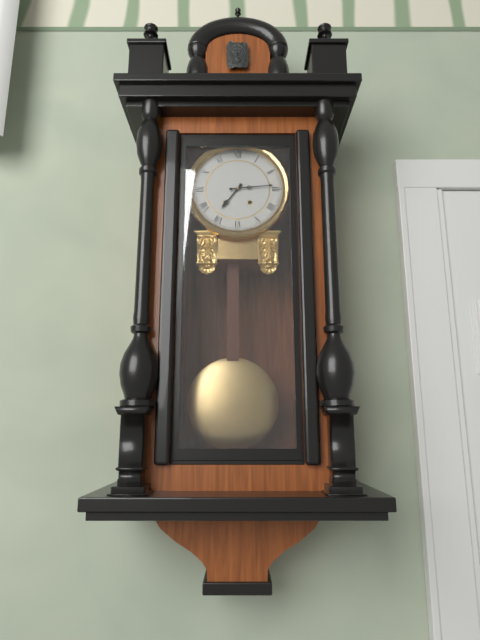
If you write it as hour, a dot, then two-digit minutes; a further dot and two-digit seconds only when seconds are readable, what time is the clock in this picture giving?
7.14
